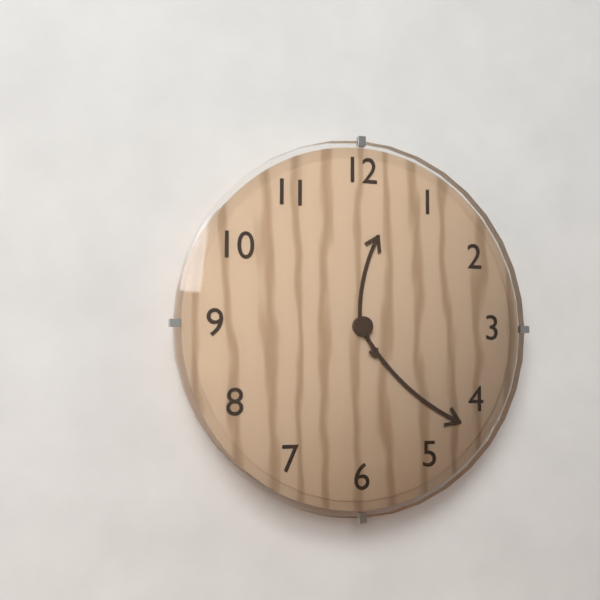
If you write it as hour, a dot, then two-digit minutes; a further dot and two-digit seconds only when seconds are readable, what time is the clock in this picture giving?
12.22
